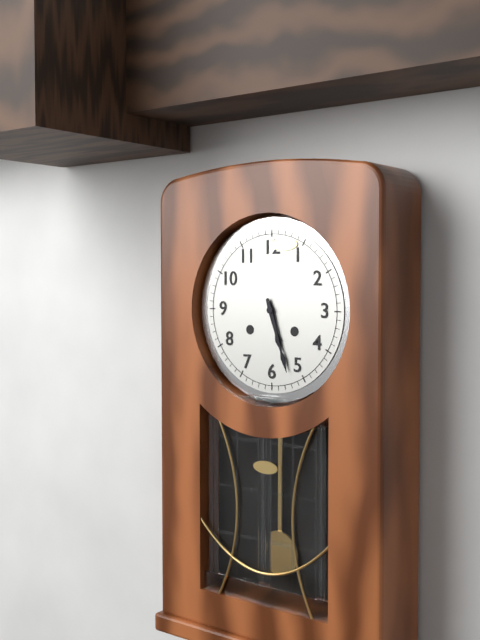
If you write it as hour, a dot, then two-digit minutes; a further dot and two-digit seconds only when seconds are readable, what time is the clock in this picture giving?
5.27
